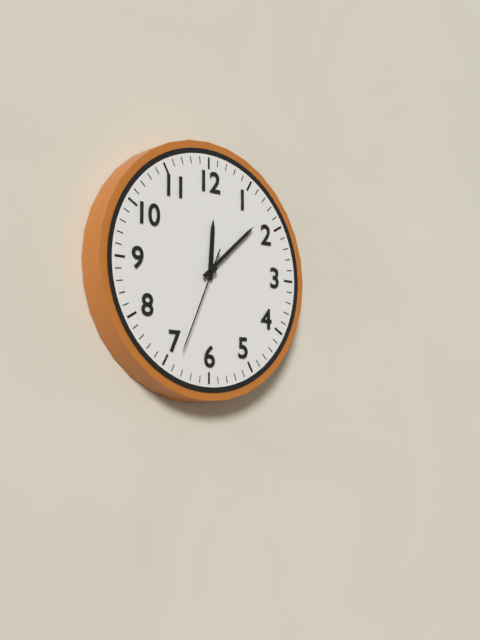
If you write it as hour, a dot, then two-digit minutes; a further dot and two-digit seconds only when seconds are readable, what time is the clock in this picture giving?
12.08.34
